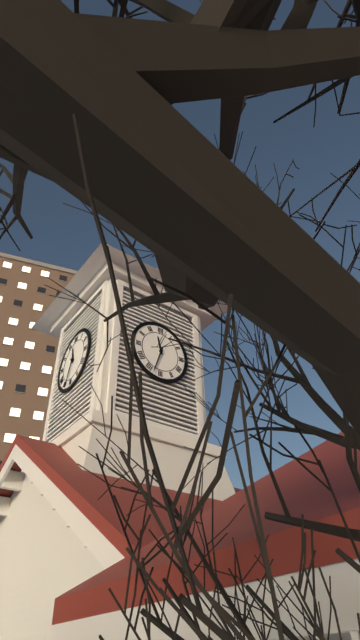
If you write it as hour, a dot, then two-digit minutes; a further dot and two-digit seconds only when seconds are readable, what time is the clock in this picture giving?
11.33
